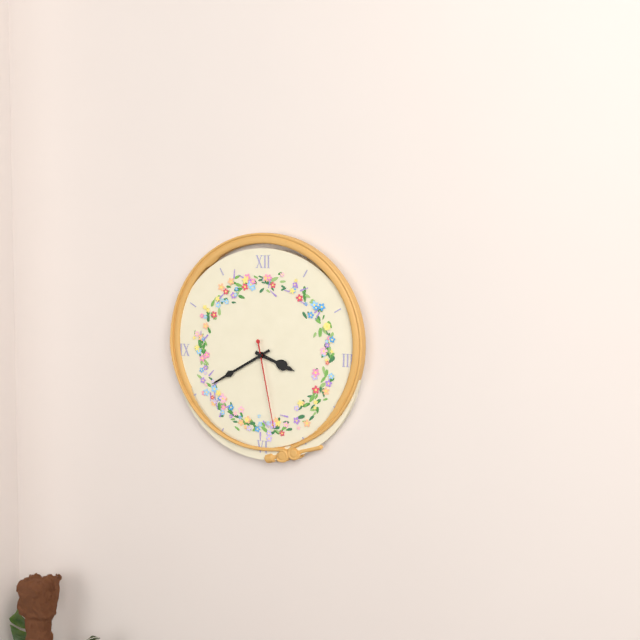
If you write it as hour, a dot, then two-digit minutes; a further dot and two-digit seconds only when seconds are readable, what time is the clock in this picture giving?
3.40.28
